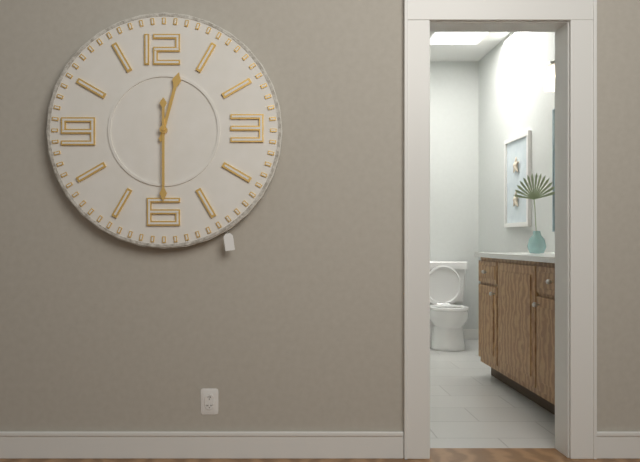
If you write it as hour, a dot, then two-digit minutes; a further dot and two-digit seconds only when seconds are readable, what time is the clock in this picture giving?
12.30
